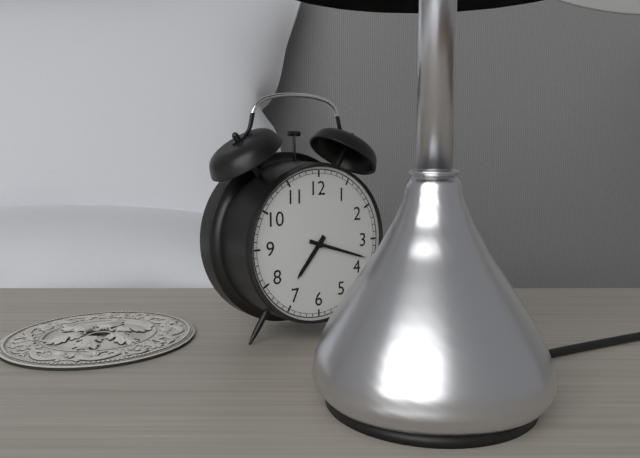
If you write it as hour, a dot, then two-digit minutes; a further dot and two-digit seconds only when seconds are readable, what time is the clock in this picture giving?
7.18
